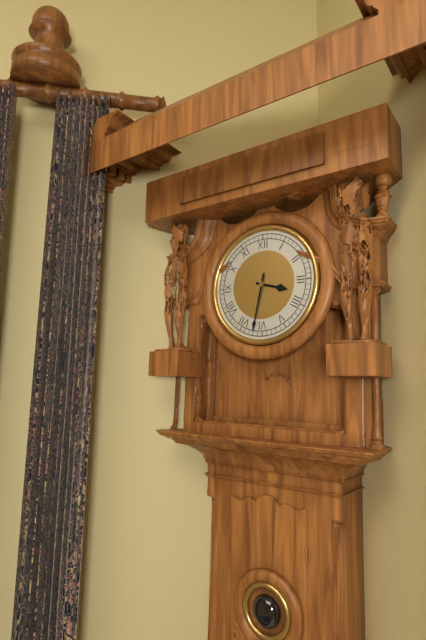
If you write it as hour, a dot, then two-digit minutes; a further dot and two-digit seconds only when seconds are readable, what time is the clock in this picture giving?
3.32
